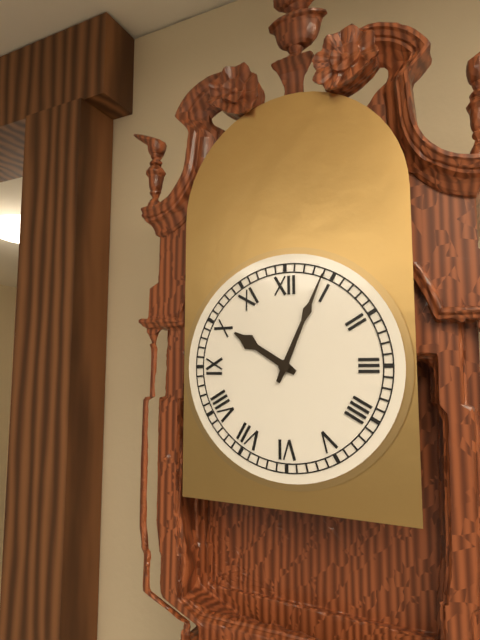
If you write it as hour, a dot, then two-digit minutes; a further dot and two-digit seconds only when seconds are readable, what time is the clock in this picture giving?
10.04
